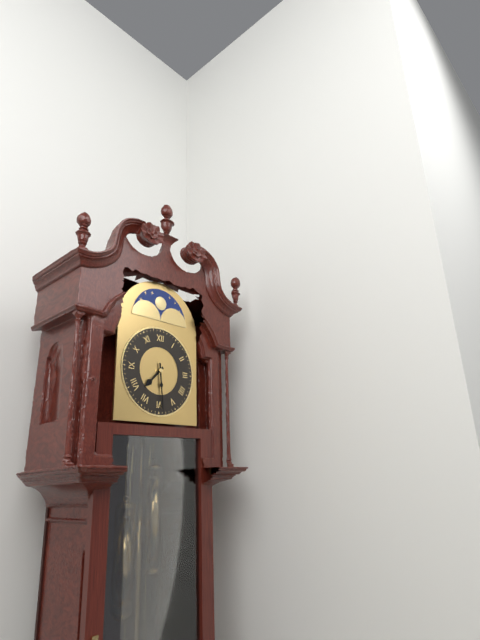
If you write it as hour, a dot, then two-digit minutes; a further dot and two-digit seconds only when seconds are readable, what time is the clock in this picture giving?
7.29
